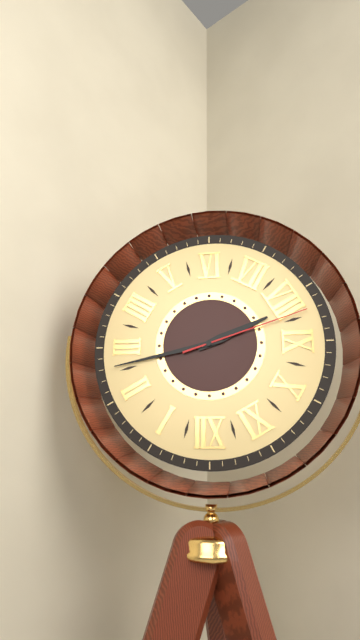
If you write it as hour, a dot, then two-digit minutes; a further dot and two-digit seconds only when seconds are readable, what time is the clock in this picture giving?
8.13.42
